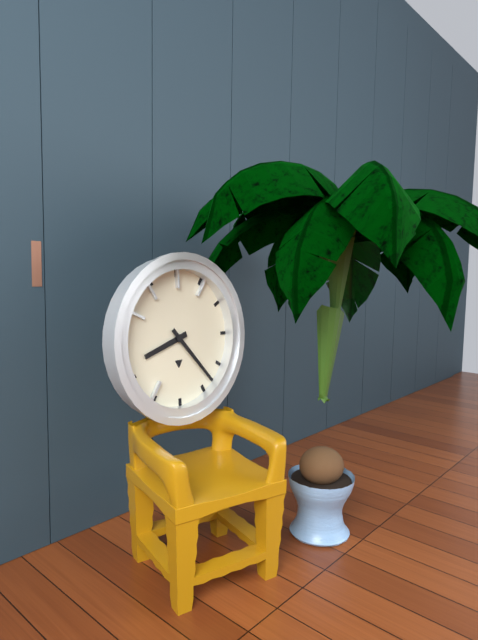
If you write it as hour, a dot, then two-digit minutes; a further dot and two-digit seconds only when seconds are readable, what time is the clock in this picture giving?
8.23
